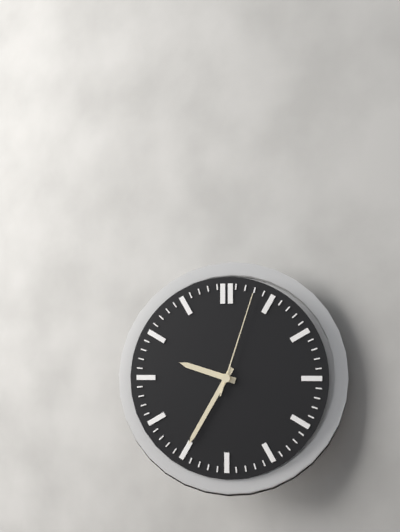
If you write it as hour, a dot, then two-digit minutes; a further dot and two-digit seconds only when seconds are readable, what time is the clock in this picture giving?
9.35.03
